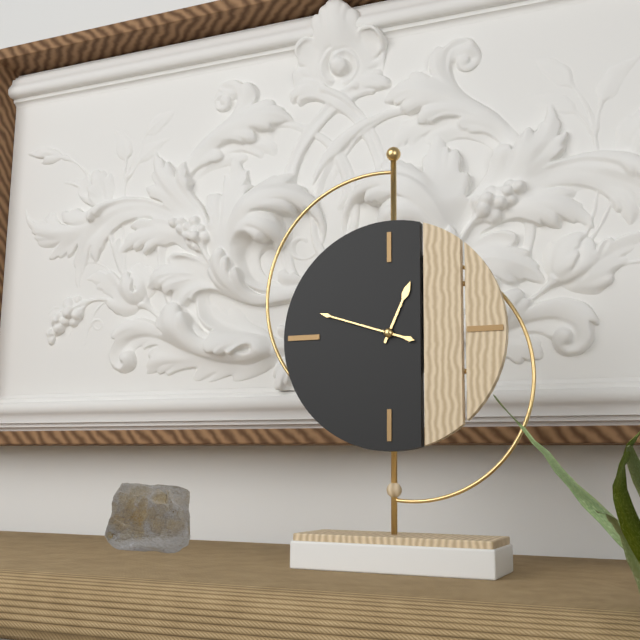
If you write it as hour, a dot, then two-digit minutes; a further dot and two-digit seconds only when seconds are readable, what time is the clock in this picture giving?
12.48
